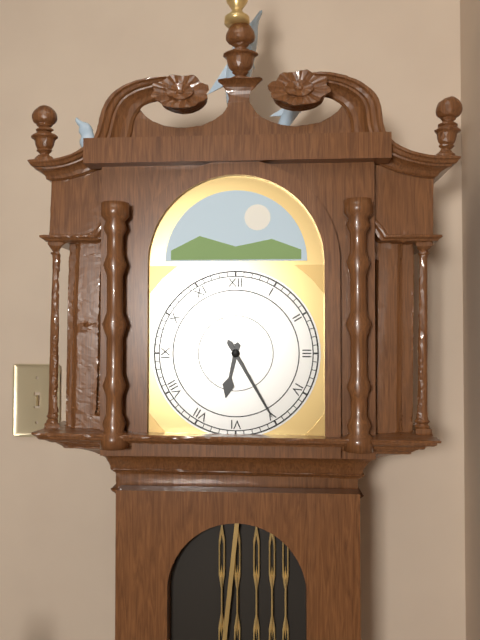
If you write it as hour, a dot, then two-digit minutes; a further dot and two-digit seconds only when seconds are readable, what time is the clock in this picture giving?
6.25
